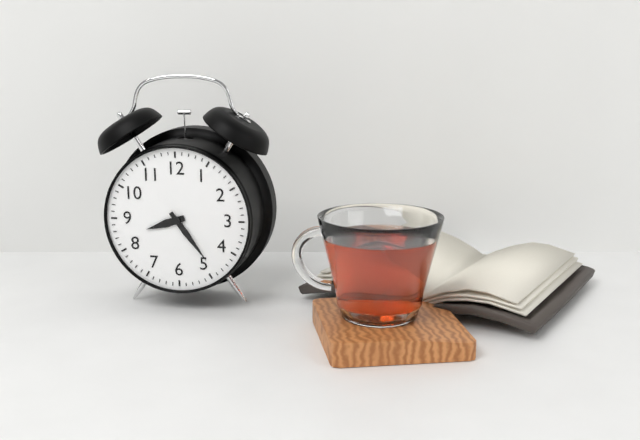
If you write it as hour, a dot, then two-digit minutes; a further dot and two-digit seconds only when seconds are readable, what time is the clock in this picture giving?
8.24
